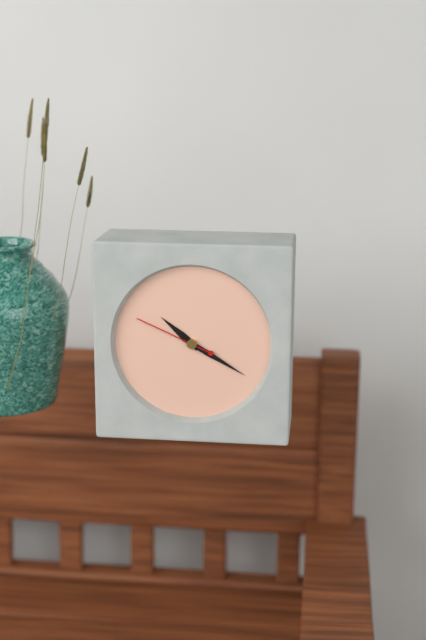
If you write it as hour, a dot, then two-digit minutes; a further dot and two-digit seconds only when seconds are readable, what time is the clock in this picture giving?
10.20.49
